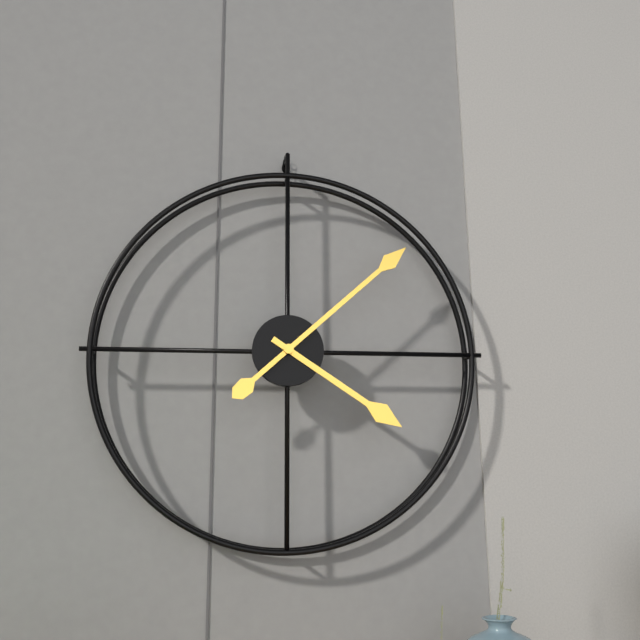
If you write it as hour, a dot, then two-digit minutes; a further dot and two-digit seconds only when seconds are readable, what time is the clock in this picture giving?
4.08
